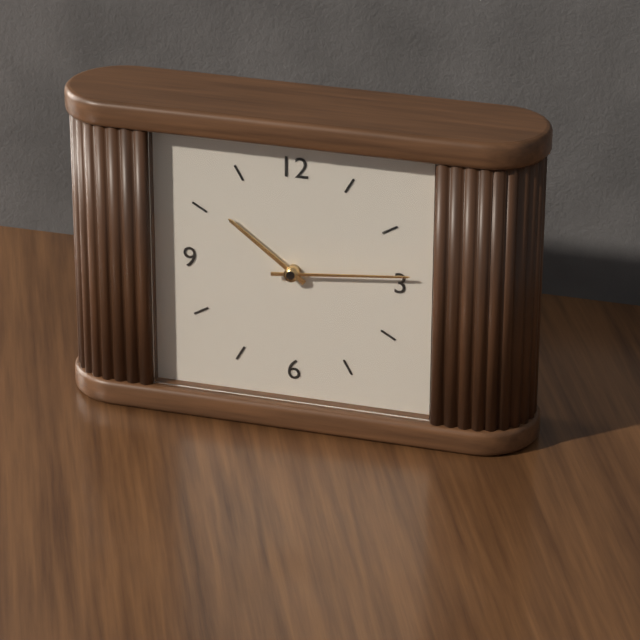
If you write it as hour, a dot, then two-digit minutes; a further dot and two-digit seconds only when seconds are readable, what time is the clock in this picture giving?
10.14
